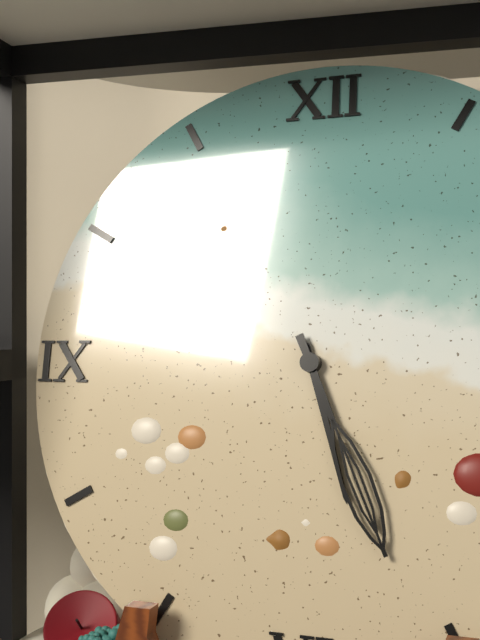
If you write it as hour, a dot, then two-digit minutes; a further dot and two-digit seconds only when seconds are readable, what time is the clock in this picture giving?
5.26
